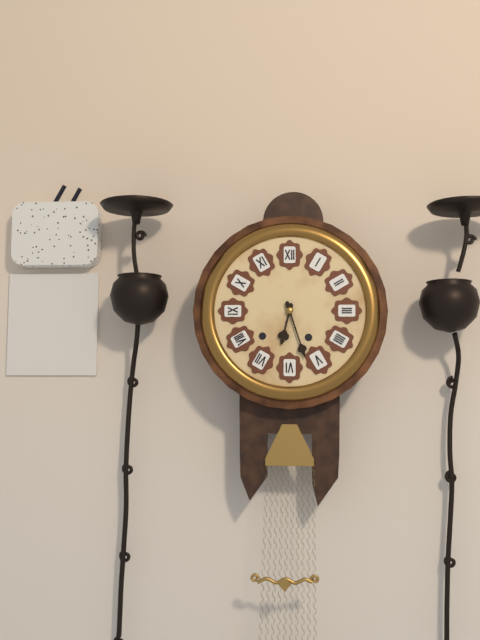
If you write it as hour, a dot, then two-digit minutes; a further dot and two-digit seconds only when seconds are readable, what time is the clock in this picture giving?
6.27
